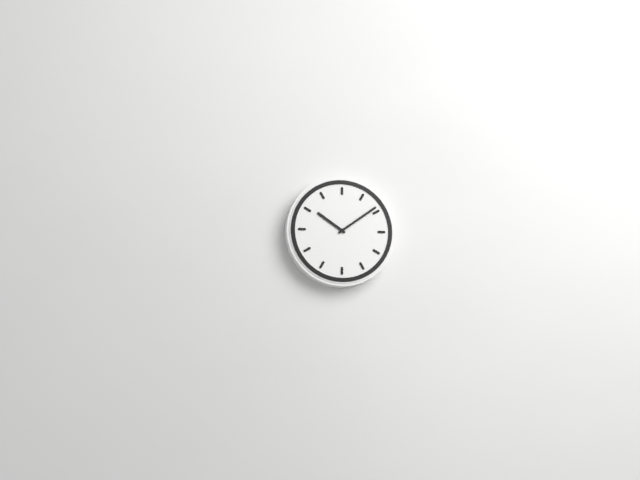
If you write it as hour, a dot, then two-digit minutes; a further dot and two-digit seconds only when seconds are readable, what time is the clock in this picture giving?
10.09
